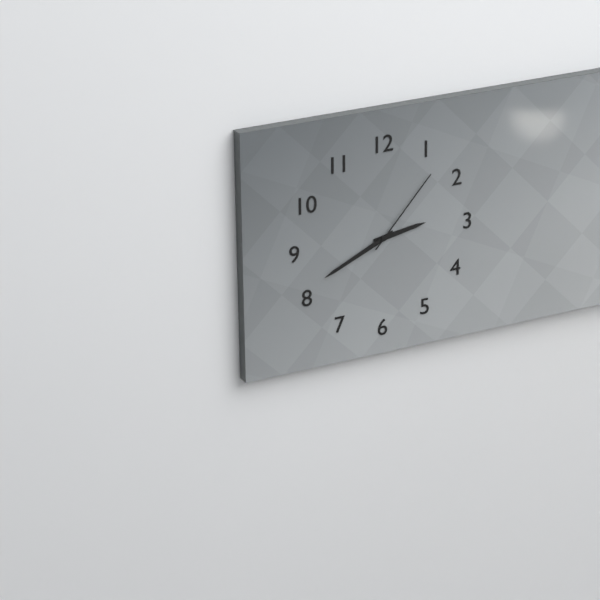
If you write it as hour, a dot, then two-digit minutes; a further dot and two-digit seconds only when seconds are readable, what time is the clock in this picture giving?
2.41.07
